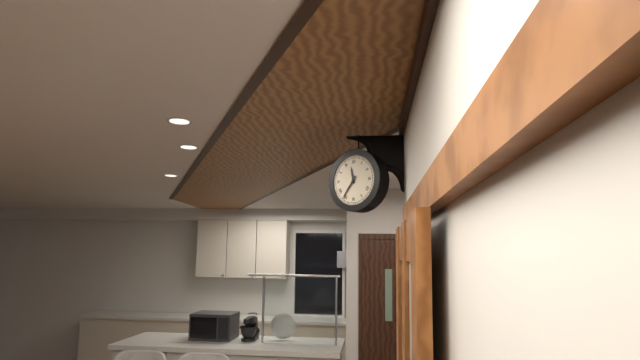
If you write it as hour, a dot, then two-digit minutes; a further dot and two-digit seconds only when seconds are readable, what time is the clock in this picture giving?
11.36
